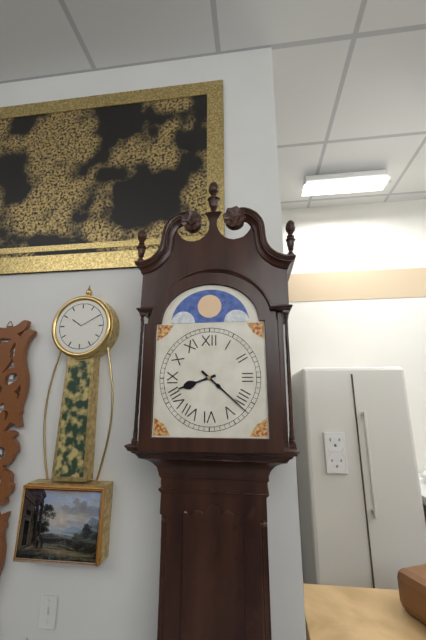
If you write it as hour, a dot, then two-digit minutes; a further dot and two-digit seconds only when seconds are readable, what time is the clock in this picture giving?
8.22
